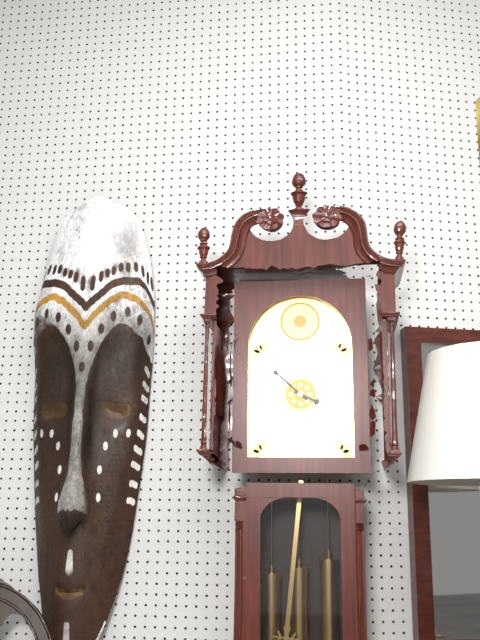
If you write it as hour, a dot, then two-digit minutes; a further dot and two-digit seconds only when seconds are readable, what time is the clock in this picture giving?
3.52
